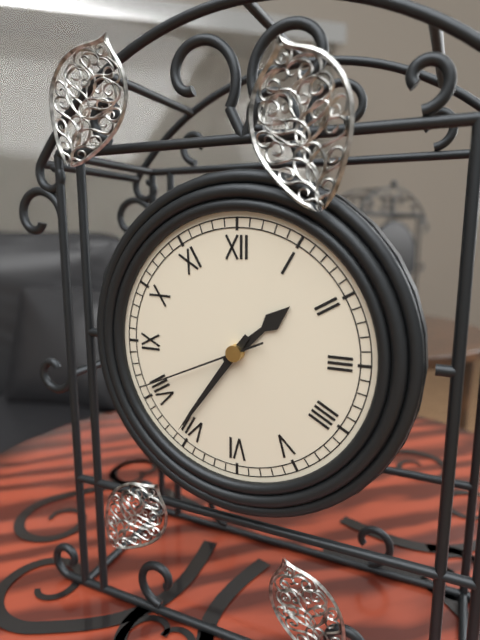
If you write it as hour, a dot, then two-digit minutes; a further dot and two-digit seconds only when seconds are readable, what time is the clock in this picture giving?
1.36.41
